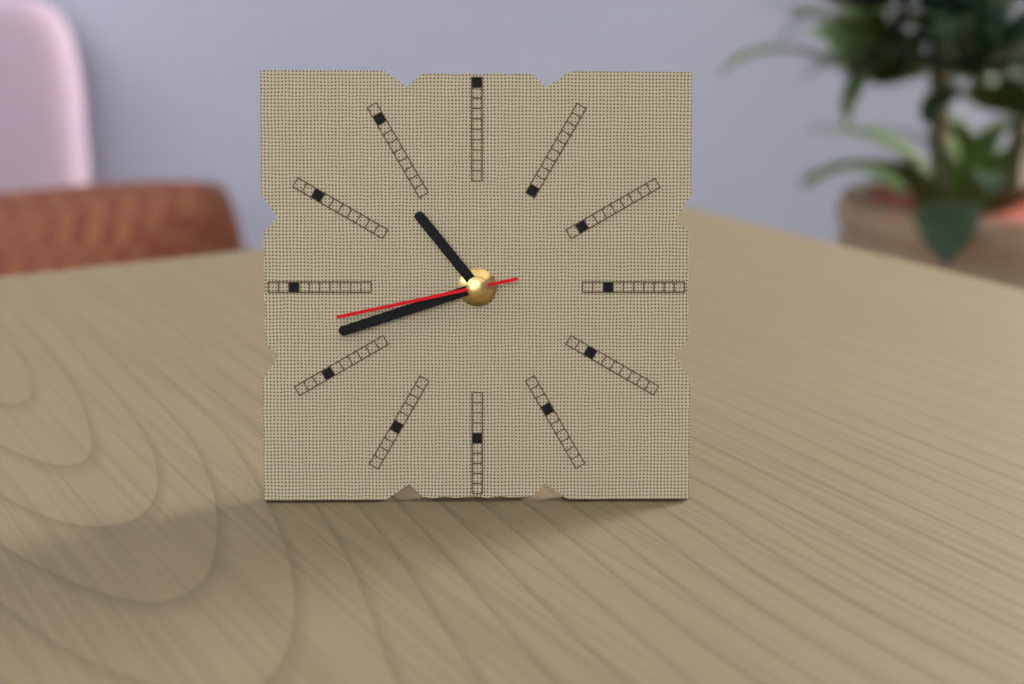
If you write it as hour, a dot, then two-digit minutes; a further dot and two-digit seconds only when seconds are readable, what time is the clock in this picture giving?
10.42.43
